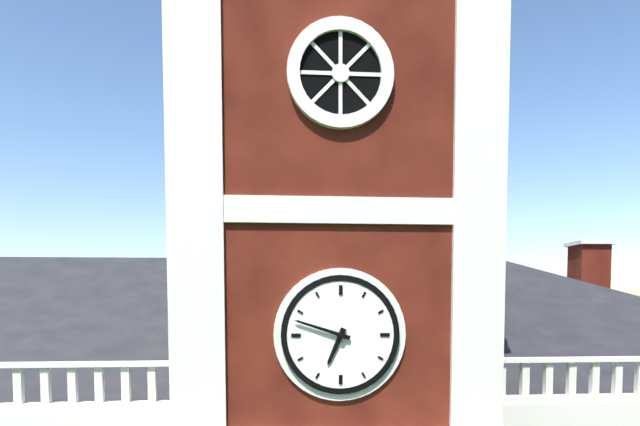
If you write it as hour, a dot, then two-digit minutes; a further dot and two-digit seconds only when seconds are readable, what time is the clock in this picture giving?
6.48
